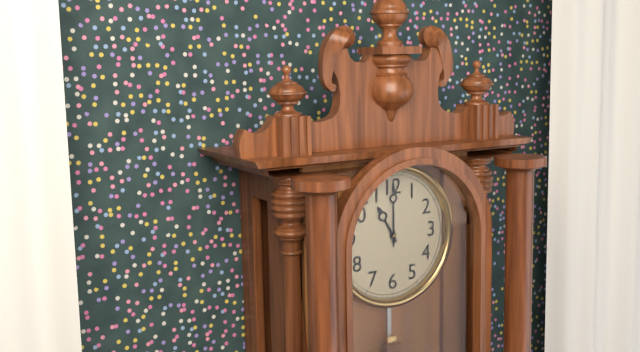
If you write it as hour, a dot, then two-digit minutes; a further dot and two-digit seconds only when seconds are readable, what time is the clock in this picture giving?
11.00
